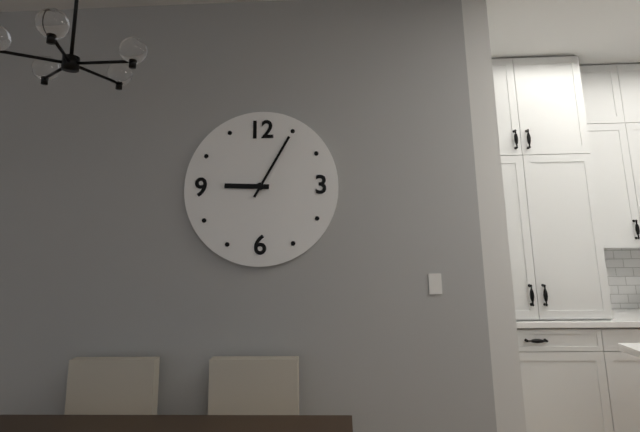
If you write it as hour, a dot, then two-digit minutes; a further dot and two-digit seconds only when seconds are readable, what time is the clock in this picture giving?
9.05
